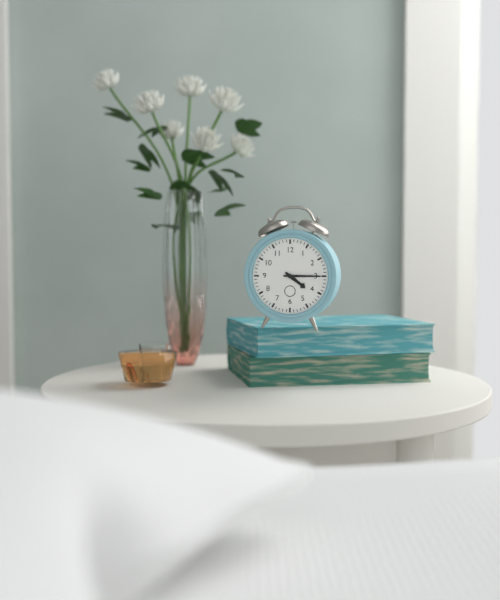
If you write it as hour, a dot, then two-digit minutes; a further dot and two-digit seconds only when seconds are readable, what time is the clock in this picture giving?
4.15
